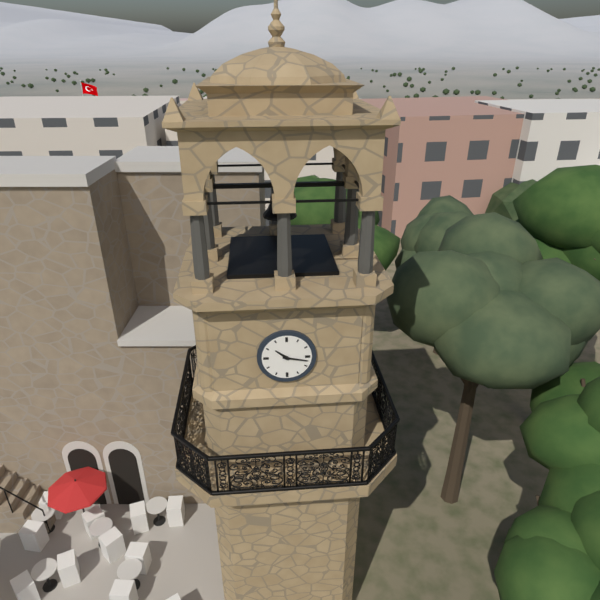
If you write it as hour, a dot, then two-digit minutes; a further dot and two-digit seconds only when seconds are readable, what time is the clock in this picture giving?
10.17
